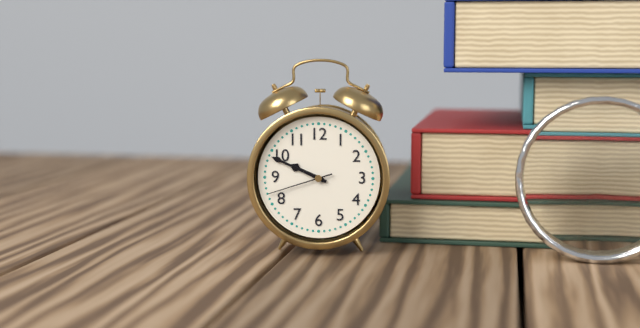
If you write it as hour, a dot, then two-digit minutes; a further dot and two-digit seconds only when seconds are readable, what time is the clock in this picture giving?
9.49.42
